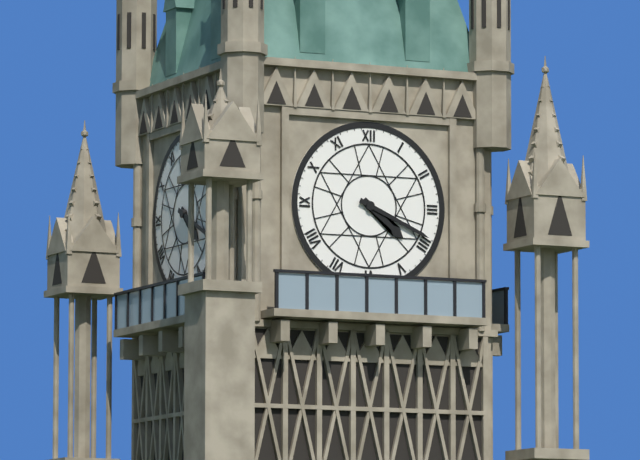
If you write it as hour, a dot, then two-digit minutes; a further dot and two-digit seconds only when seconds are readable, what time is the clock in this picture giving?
4.19
